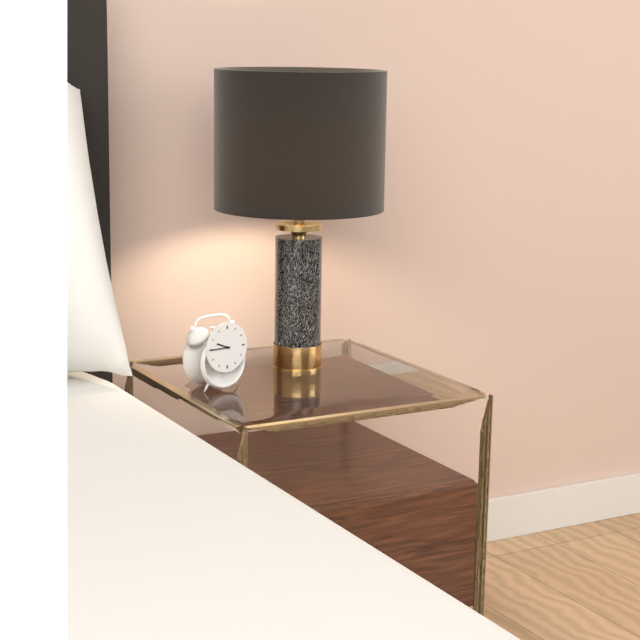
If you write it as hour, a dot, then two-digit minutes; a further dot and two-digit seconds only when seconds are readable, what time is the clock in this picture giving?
9.45
